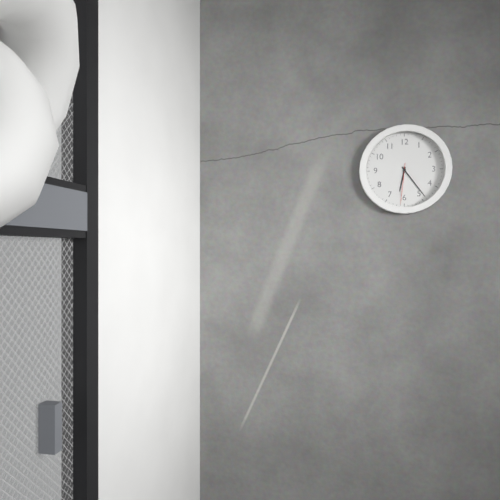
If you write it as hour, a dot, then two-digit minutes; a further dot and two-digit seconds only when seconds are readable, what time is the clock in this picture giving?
6.24
